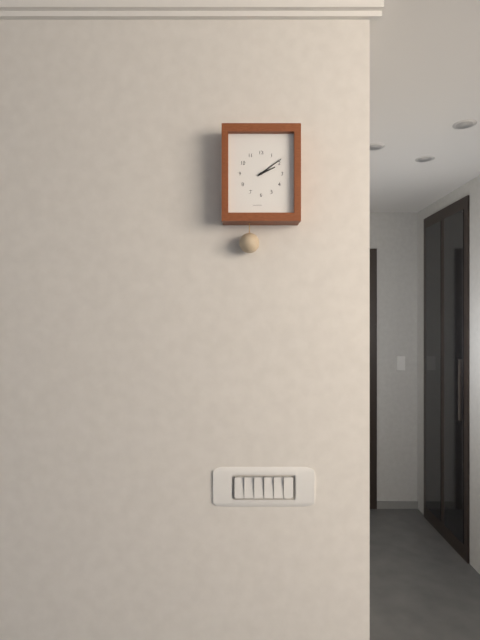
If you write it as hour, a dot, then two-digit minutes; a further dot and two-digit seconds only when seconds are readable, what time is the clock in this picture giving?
2.09
